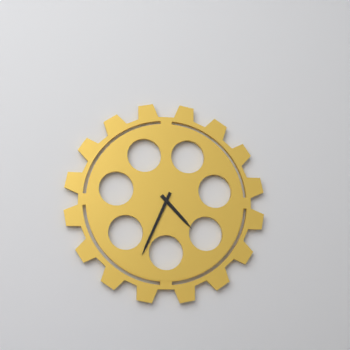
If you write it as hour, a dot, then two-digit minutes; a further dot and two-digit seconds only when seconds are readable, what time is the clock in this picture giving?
4.34
